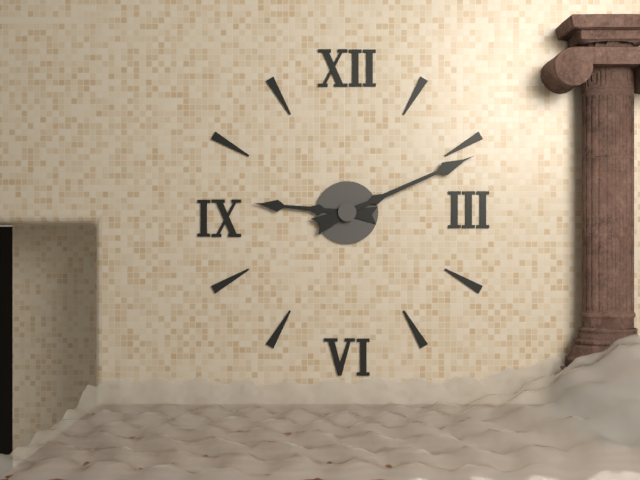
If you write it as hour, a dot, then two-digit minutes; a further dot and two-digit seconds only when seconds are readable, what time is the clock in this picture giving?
9.11
